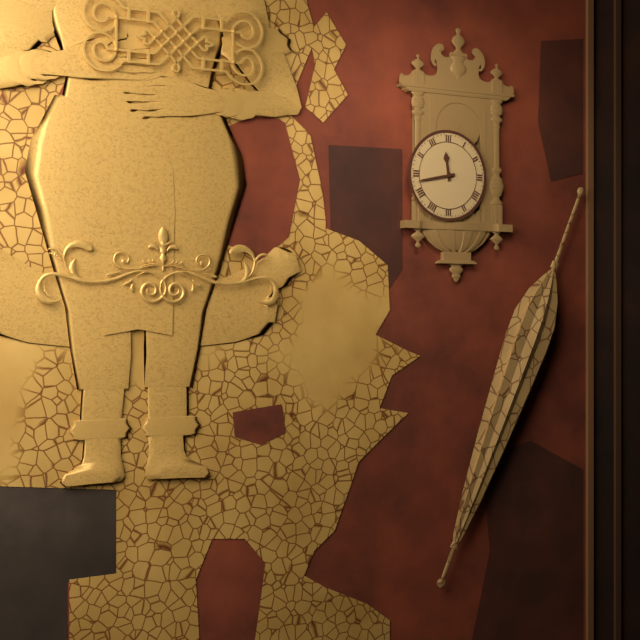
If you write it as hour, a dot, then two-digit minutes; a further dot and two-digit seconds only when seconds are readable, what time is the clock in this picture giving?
11.43
